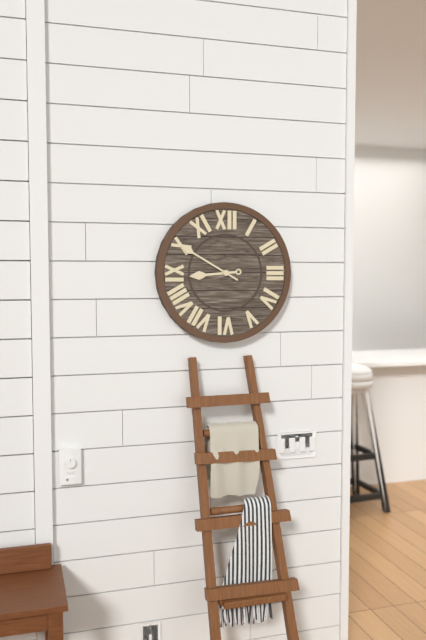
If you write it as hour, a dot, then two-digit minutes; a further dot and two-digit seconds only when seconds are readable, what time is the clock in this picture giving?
8.50
